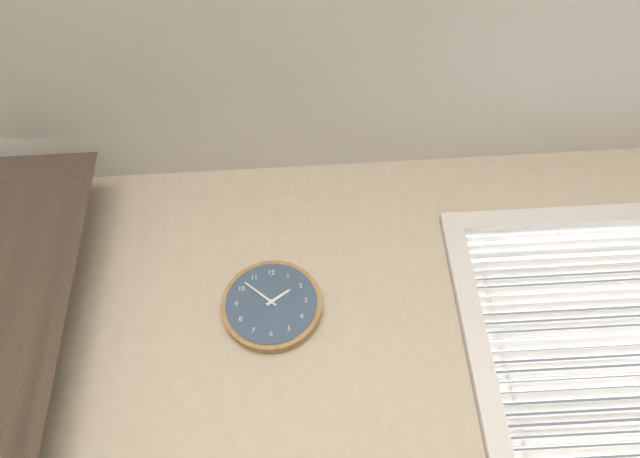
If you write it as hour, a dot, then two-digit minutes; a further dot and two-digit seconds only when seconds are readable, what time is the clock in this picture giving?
1.52
